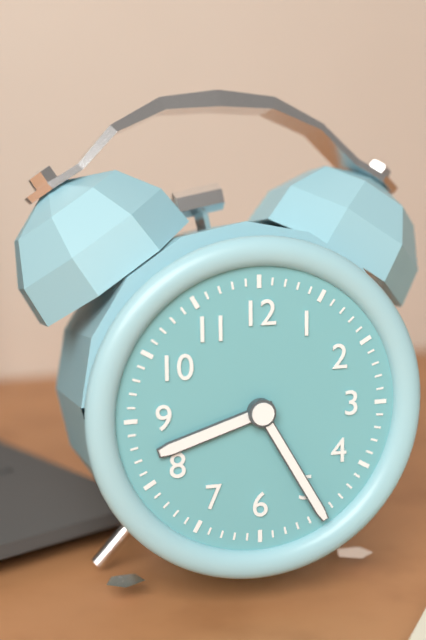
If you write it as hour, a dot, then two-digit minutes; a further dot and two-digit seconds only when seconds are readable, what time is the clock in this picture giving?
8.25
